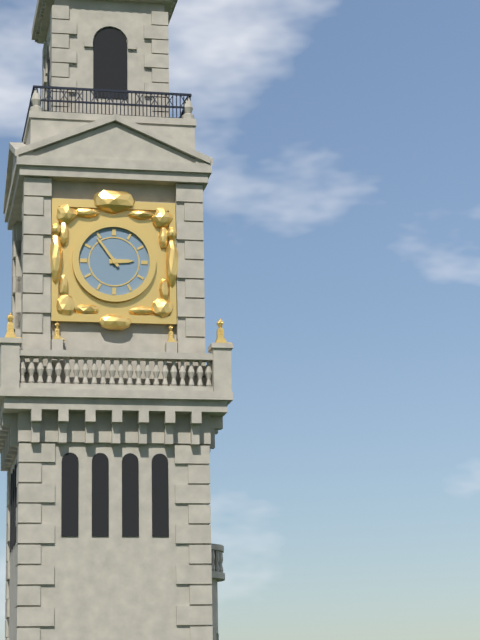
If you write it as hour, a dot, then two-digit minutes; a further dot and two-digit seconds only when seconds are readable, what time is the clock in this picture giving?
2.54
